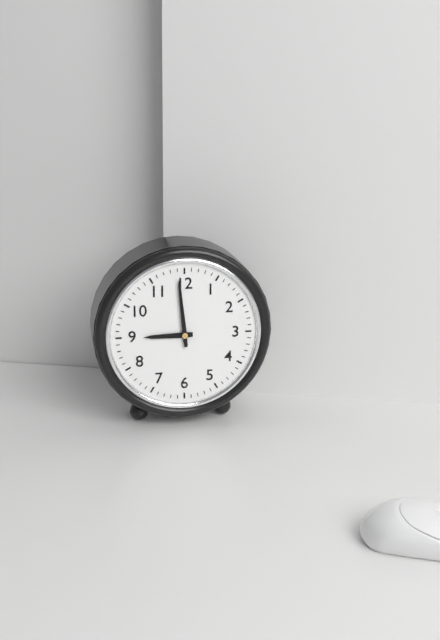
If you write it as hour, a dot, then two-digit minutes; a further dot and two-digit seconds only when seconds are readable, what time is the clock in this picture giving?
8.59
